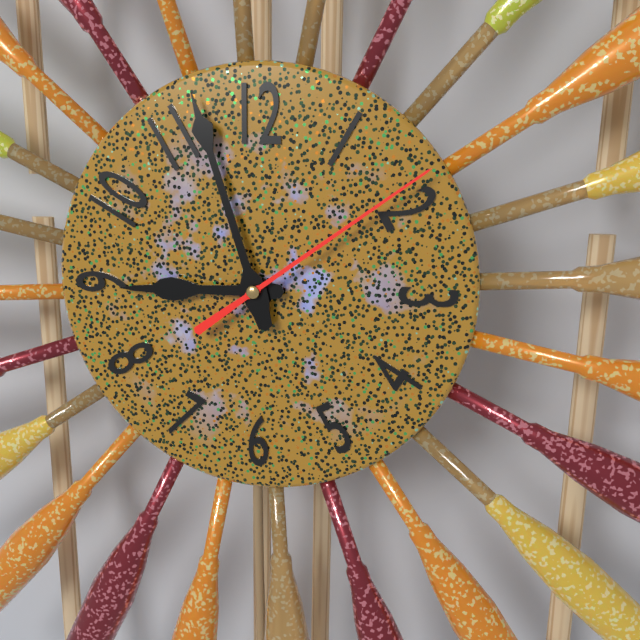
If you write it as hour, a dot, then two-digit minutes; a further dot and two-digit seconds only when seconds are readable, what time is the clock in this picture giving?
8.57.09
